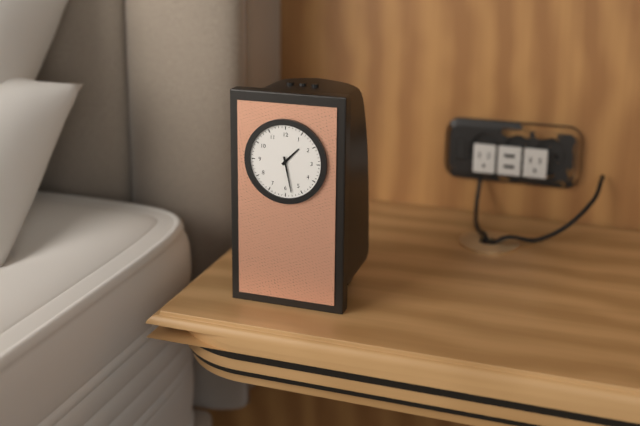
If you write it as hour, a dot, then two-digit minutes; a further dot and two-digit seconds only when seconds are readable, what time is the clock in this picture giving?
1.28
